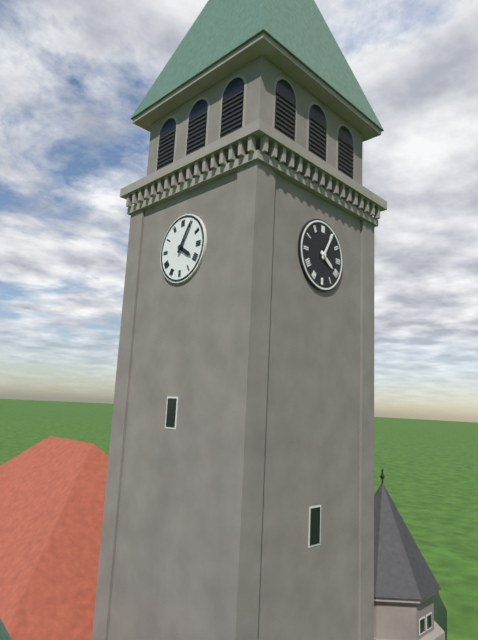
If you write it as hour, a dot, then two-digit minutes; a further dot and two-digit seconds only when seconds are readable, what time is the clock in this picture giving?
4.05
